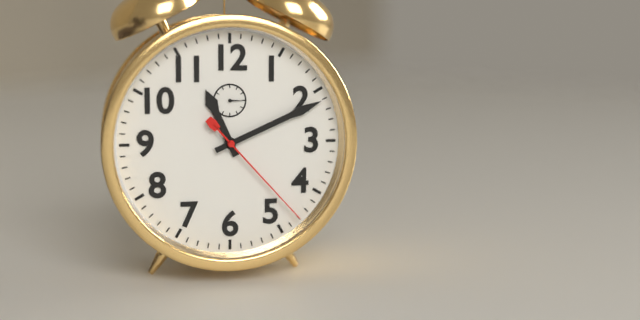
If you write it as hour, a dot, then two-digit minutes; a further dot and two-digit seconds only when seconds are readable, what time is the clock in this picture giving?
11.11.23
